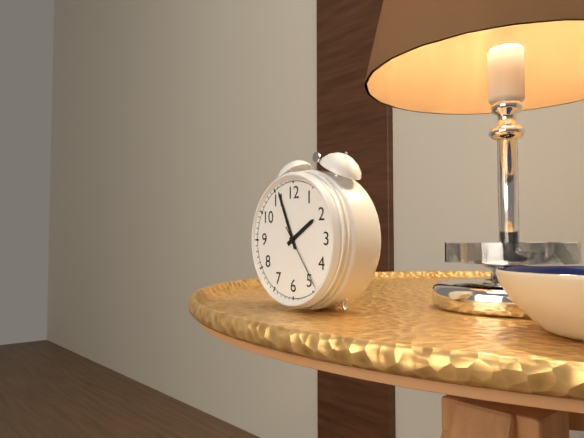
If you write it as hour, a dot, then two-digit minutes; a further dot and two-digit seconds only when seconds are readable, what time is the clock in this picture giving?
1.56.24
